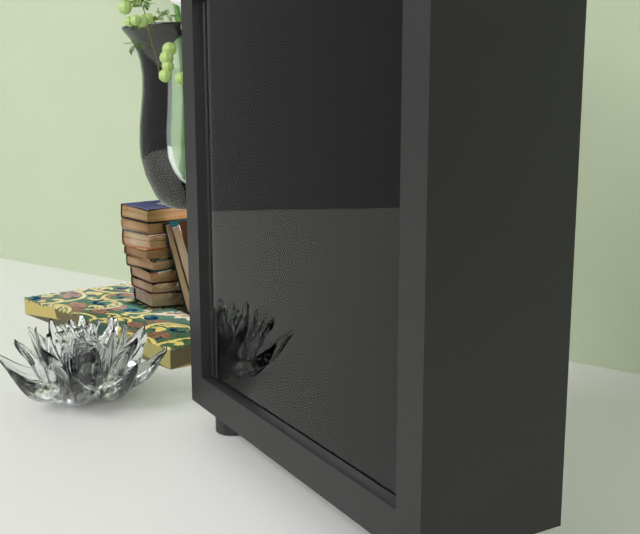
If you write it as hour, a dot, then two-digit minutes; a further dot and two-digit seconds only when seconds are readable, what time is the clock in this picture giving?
12.24
